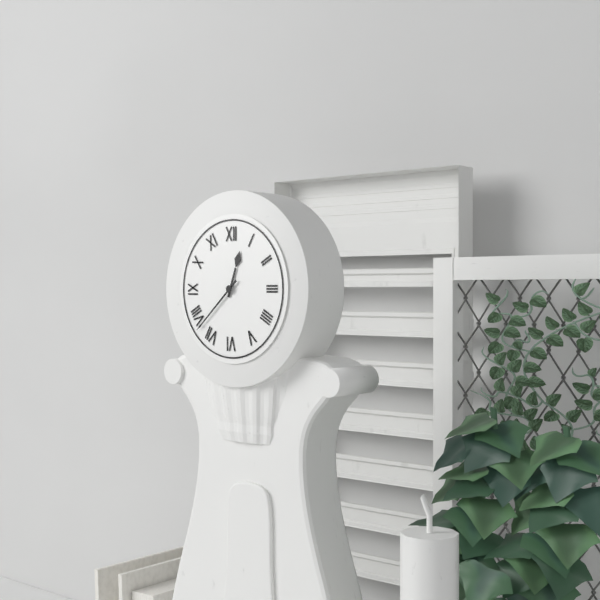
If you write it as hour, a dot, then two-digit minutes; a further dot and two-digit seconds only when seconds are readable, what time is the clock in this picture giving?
12.38
